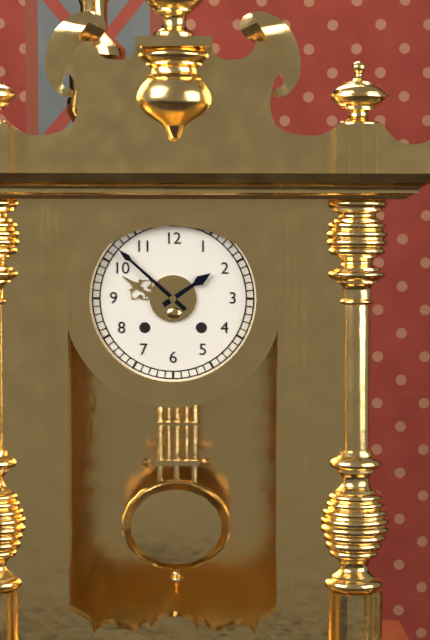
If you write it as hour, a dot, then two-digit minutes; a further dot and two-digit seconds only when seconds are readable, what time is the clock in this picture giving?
1.52
